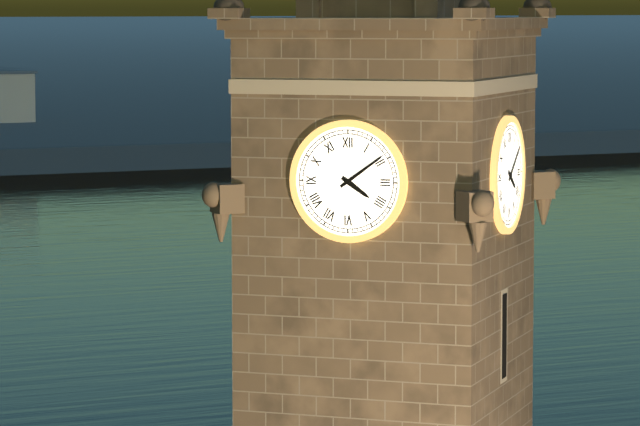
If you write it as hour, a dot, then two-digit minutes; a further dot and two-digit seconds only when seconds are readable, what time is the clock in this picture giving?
4.09
